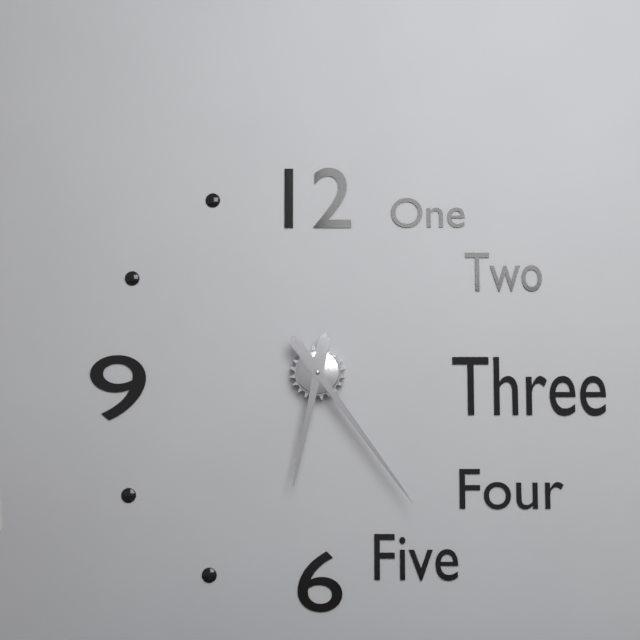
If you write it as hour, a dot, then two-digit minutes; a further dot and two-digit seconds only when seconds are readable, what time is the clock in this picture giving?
6.24
